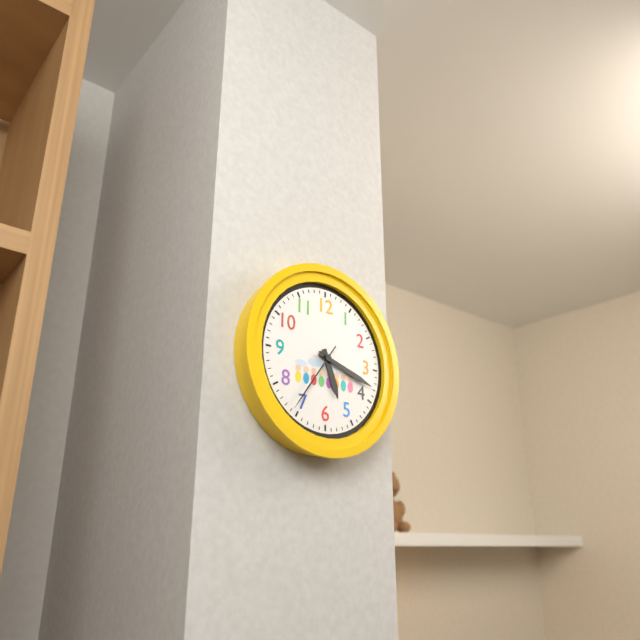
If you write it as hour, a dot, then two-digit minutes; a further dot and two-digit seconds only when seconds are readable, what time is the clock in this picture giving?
5.18.36
